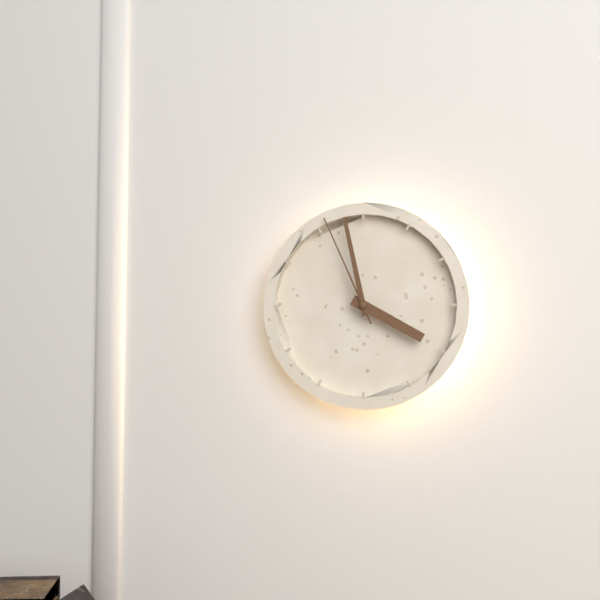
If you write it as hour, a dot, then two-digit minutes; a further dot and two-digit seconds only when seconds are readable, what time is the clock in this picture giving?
3.58.56
